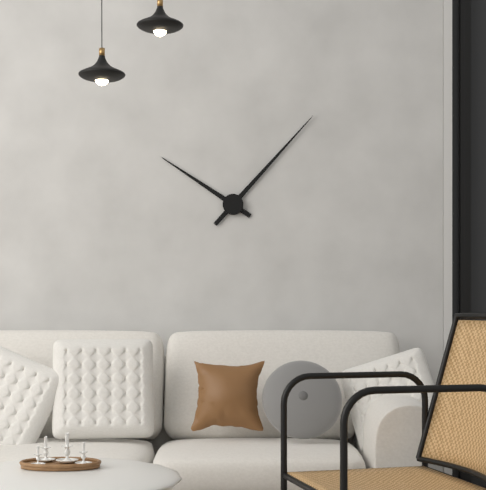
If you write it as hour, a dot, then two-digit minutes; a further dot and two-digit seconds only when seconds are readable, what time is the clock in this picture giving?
10.07
